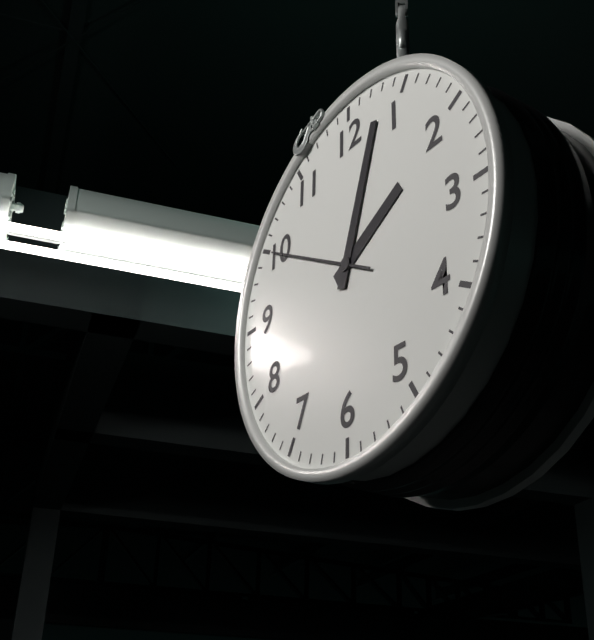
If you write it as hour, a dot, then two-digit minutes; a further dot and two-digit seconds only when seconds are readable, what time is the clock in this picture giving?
2.03.50
